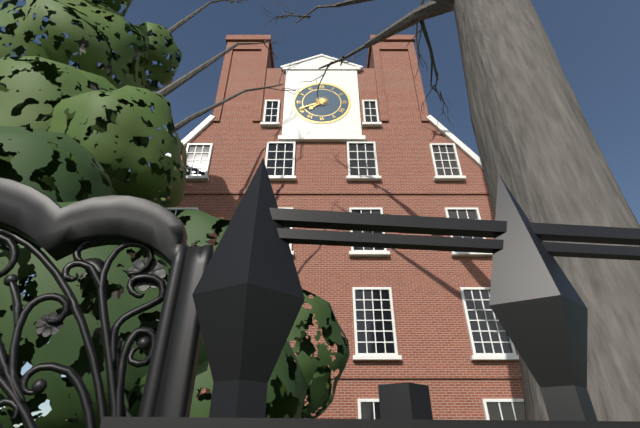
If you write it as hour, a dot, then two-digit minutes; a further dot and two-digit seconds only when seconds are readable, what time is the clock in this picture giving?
7.41
